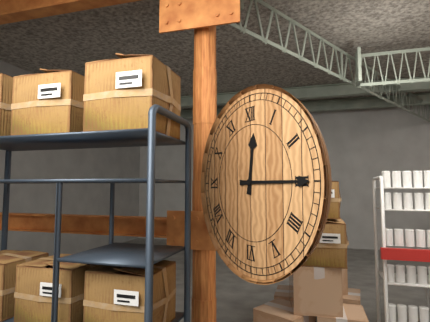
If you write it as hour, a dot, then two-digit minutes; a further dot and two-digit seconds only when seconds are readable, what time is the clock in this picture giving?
12.15
